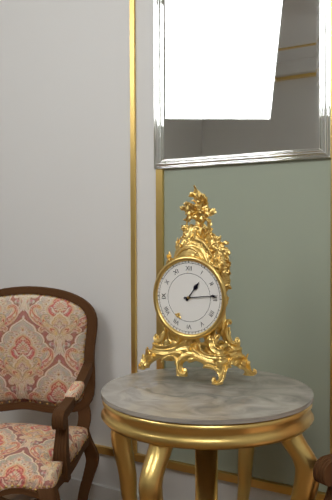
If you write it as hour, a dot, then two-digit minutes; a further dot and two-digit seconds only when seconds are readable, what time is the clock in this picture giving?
1.14
